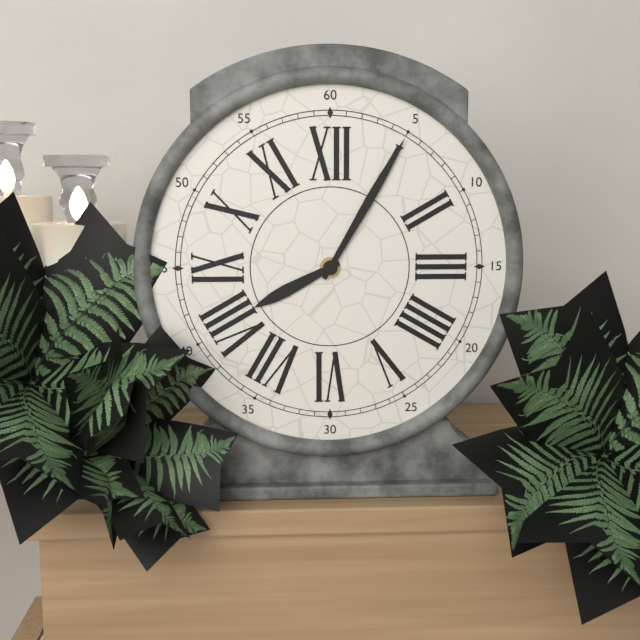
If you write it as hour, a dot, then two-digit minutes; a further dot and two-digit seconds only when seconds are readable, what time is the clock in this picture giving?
8.05
